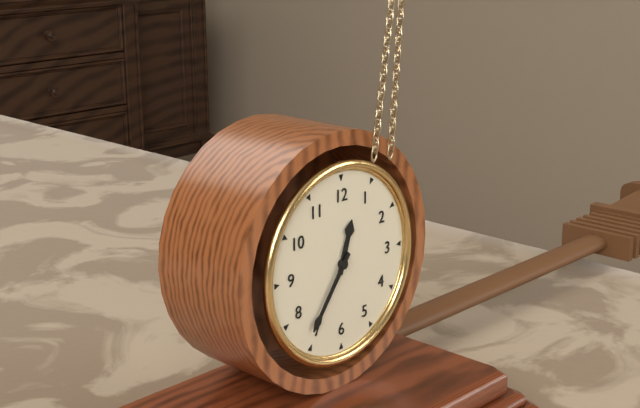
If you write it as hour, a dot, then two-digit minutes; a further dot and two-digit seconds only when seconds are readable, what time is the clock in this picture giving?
12.36
